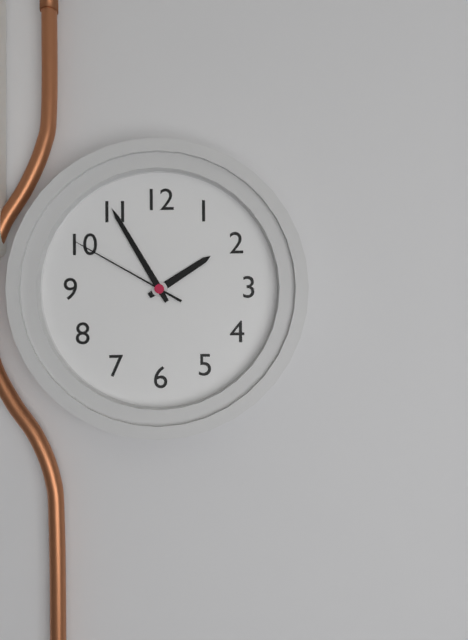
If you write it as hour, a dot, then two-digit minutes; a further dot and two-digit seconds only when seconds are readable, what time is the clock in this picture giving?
1.55.50
